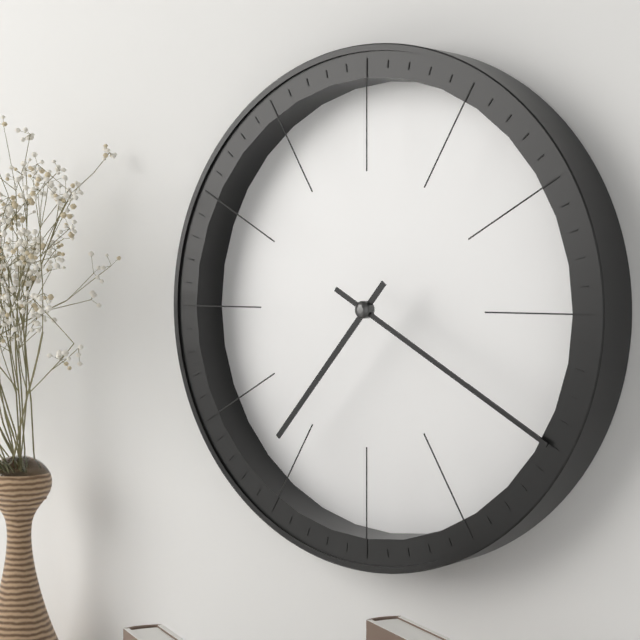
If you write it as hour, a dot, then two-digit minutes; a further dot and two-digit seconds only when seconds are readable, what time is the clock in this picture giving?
7.20
